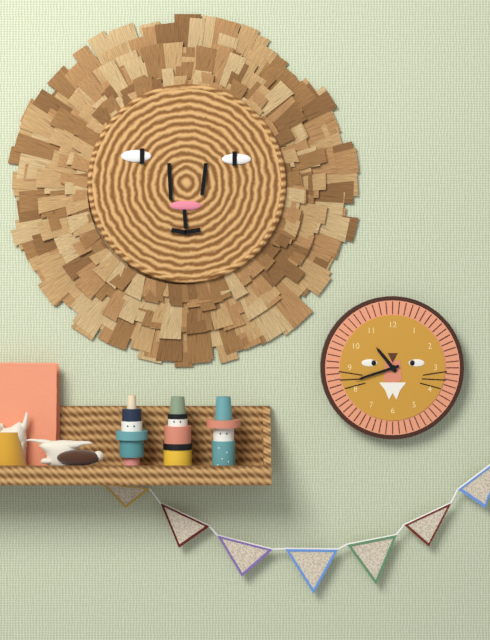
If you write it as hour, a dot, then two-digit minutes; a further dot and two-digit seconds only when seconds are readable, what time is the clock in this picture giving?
10.42
